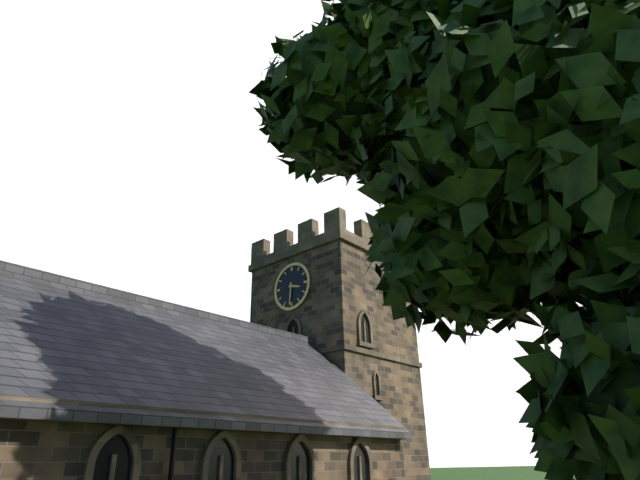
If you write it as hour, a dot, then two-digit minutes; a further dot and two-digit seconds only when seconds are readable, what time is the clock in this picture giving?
3.31
